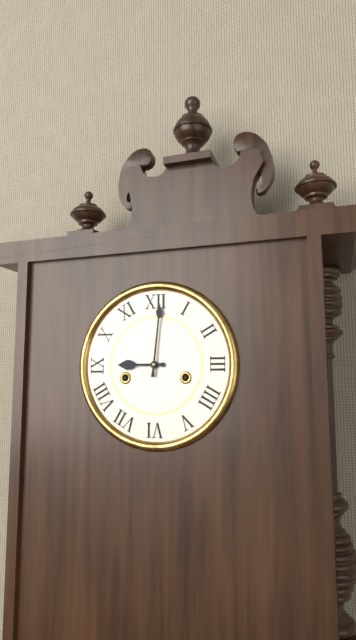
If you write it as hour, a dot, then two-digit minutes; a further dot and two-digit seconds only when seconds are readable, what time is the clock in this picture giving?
9.01
